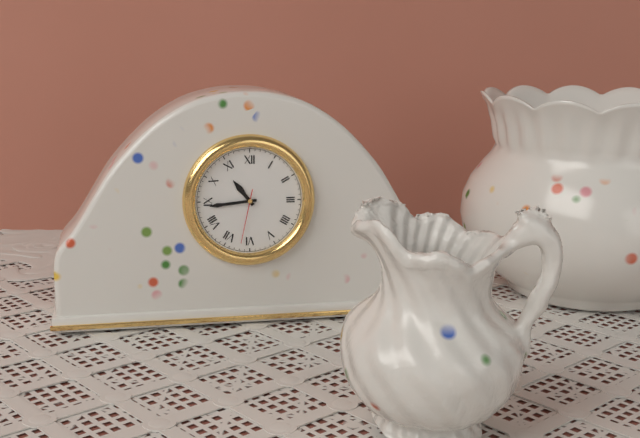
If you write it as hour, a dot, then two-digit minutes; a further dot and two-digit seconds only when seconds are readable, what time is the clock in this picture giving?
10.44.32
